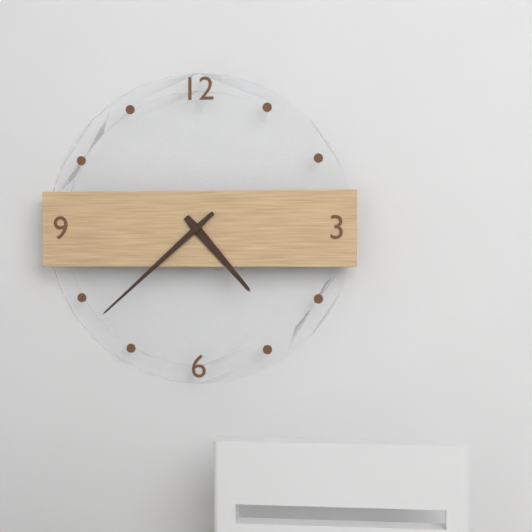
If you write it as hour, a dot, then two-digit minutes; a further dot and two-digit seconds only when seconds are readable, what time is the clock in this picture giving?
4.38
